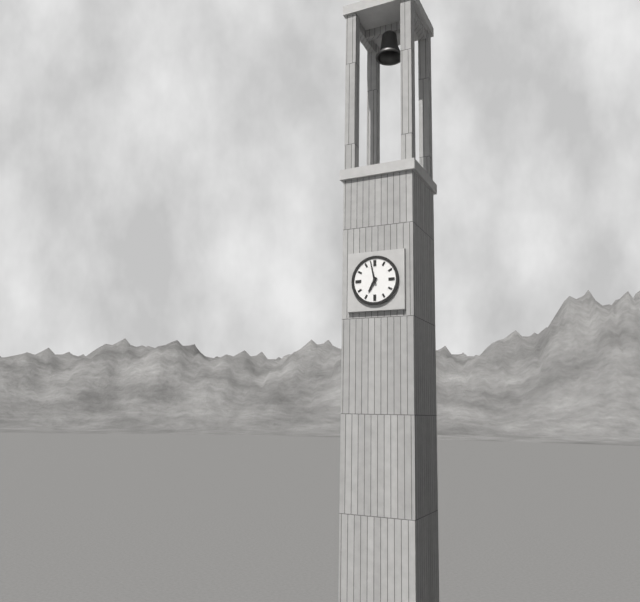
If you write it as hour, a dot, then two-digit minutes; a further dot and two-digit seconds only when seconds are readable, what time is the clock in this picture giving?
6.58
